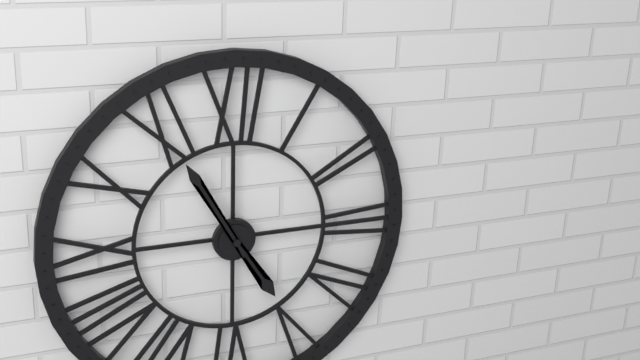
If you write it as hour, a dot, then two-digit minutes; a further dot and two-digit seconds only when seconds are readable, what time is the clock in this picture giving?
4.55
